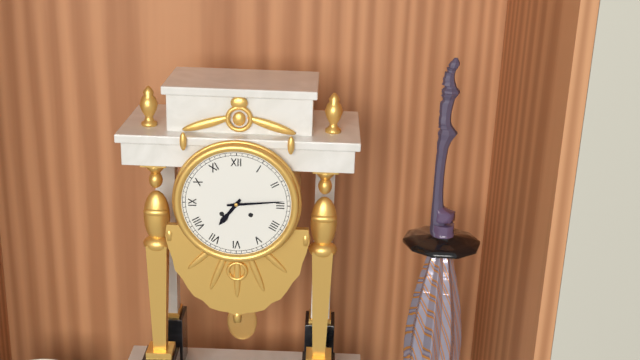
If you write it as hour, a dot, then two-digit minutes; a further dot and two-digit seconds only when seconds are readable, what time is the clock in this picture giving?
7.14
